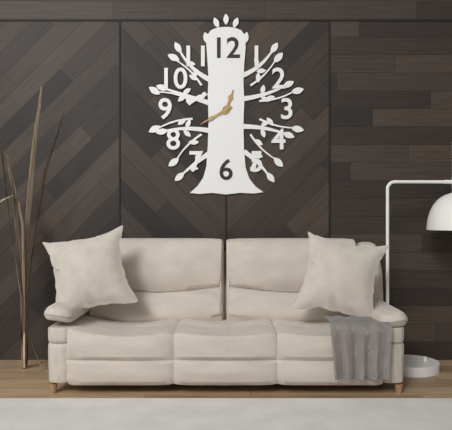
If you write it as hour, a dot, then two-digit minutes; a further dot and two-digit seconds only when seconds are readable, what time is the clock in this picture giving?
12.40
